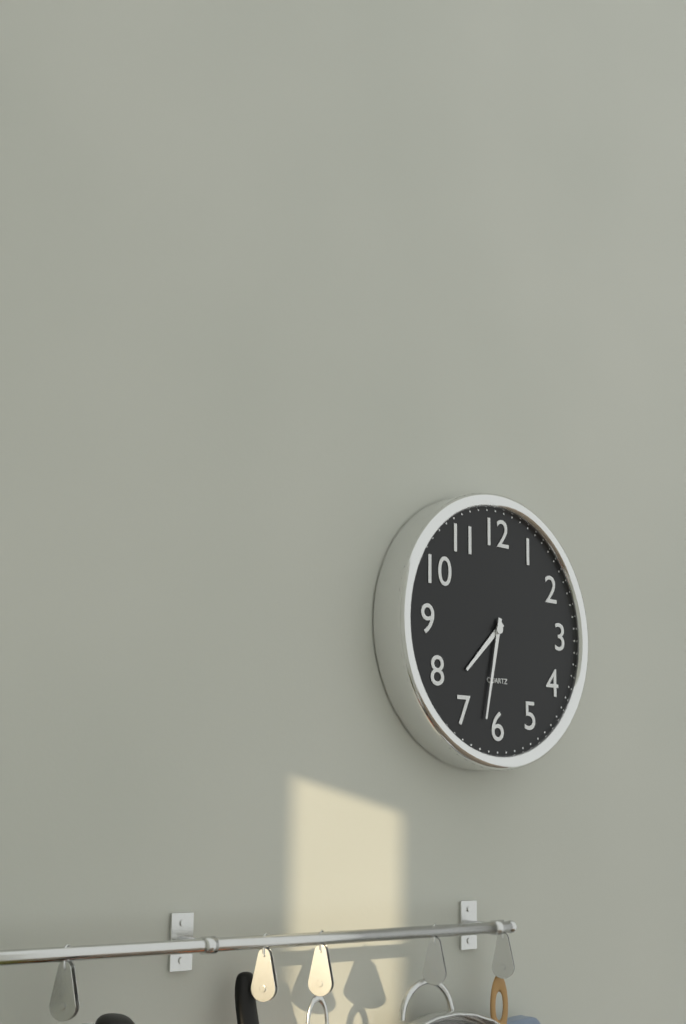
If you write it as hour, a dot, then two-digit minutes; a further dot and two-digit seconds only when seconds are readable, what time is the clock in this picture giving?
7.32
